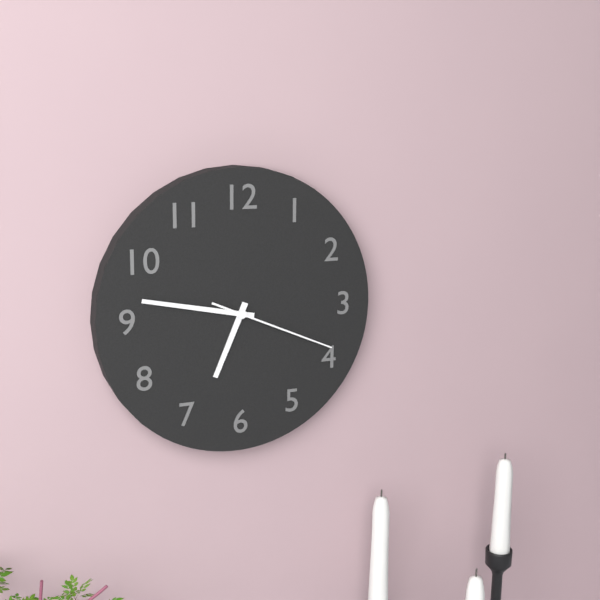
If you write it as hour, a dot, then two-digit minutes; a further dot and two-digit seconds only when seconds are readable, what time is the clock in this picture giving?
6.47.19
